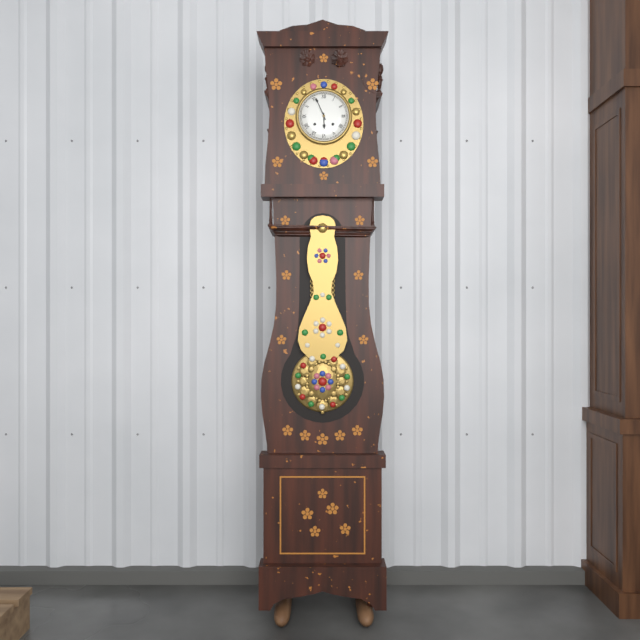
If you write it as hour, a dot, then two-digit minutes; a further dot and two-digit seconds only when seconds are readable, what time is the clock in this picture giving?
5.56
